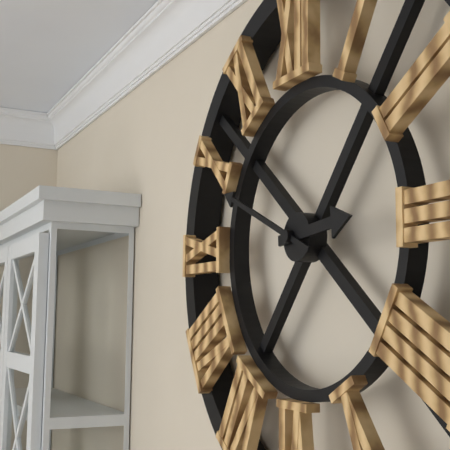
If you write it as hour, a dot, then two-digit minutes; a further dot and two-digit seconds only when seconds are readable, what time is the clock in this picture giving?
2.49
